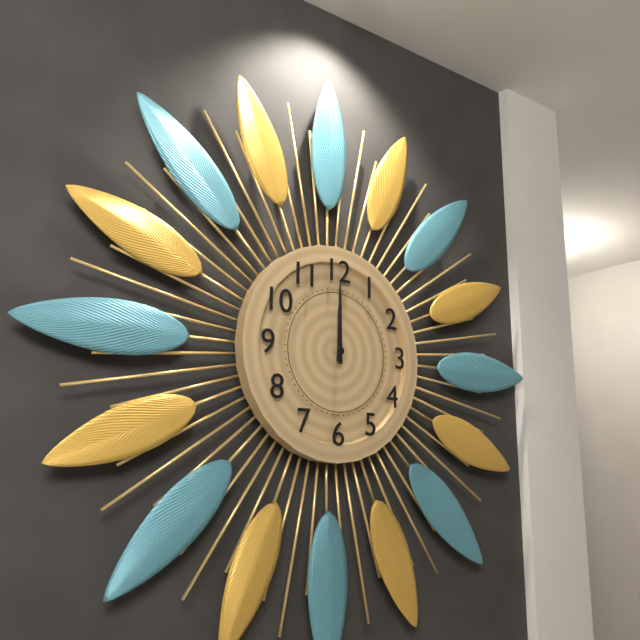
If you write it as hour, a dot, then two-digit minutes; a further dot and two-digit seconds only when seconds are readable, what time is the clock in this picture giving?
12.00
